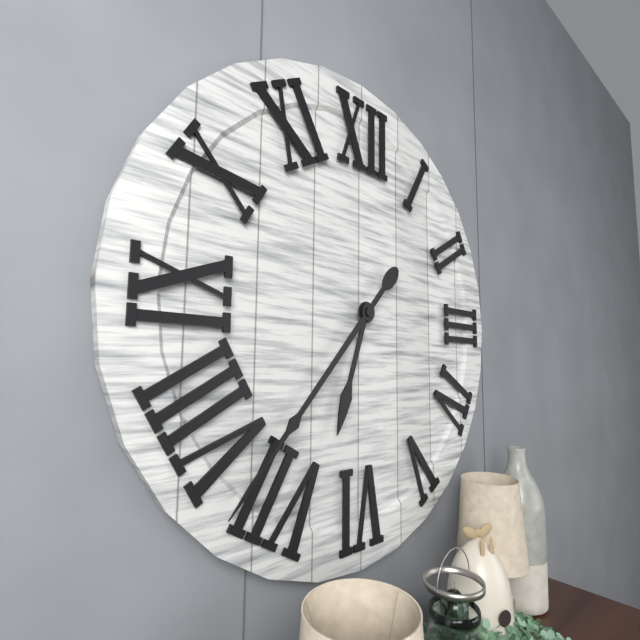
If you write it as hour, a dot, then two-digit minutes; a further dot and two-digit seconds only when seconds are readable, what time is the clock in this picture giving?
6.37
